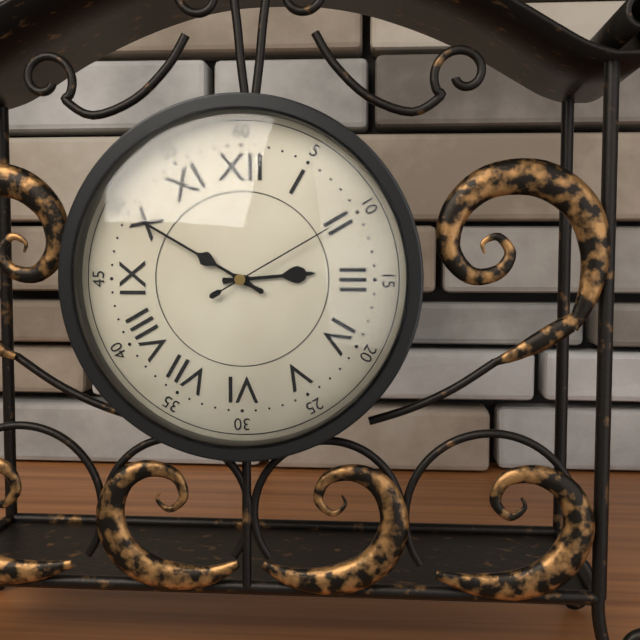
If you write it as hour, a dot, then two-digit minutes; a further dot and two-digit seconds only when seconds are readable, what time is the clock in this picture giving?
2.50.10
